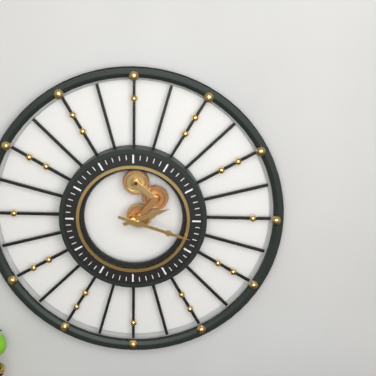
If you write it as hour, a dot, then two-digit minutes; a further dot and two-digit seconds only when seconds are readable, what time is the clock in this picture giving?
2.18
